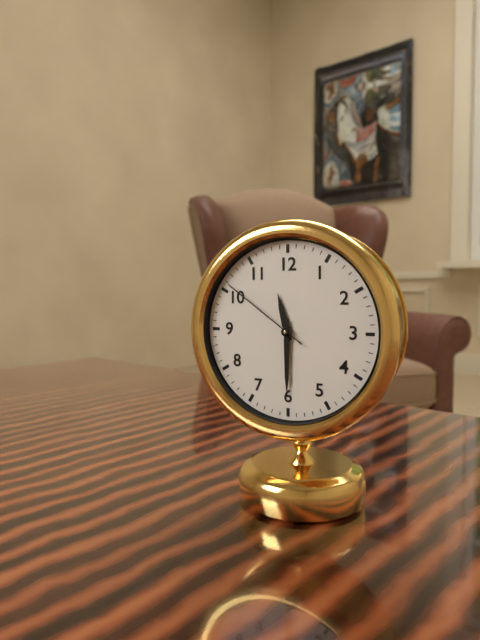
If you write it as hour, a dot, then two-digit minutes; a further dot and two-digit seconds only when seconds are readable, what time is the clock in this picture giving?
11.30.51
